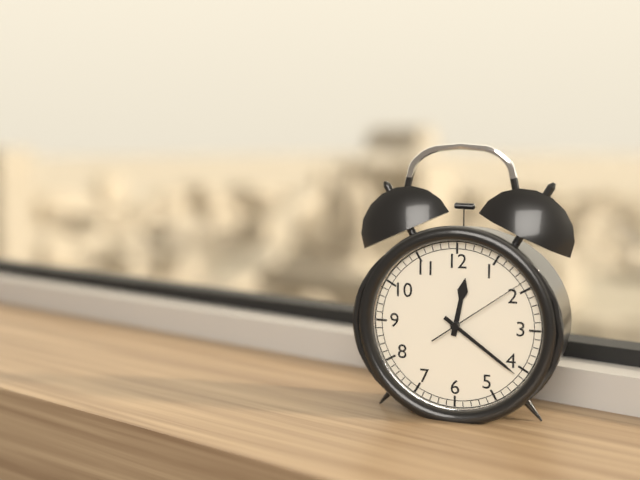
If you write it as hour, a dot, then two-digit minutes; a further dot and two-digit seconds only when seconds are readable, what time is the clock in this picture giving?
12.21.09
